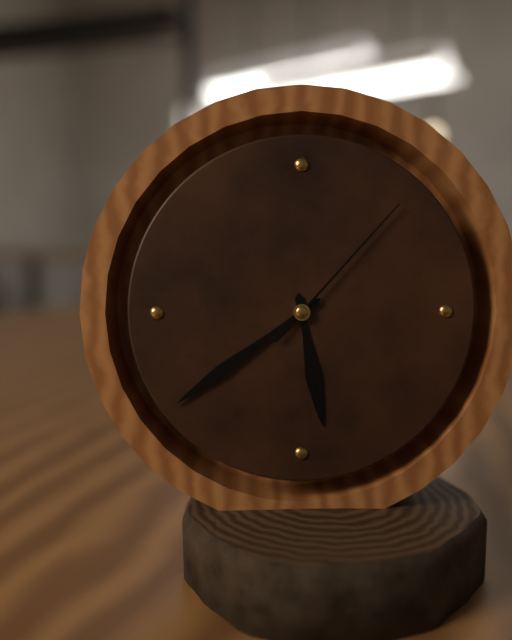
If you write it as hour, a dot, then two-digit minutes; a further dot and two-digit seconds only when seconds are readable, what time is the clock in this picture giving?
5.39.07
